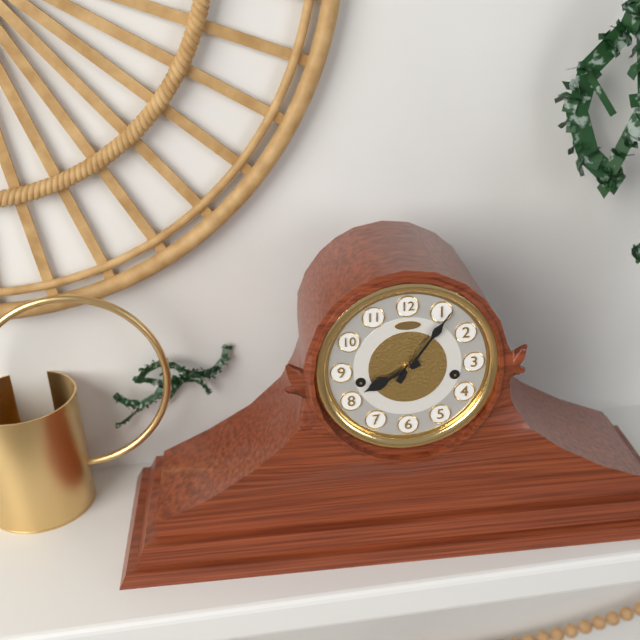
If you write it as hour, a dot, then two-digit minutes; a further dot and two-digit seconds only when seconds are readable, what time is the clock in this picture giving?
8.06
